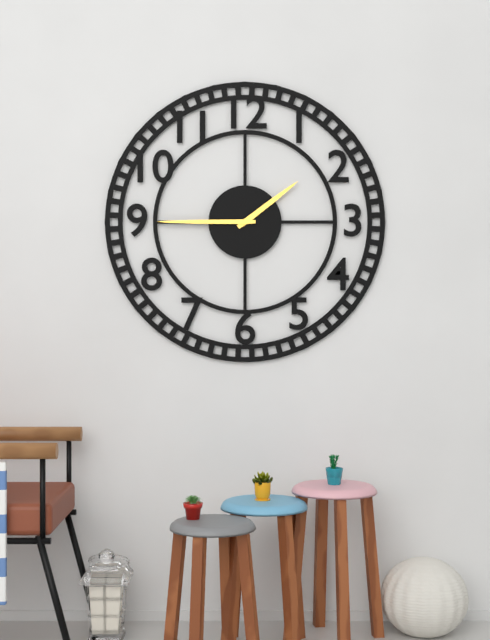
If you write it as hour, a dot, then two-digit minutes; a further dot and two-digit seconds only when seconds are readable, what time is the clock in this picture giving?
1.45
